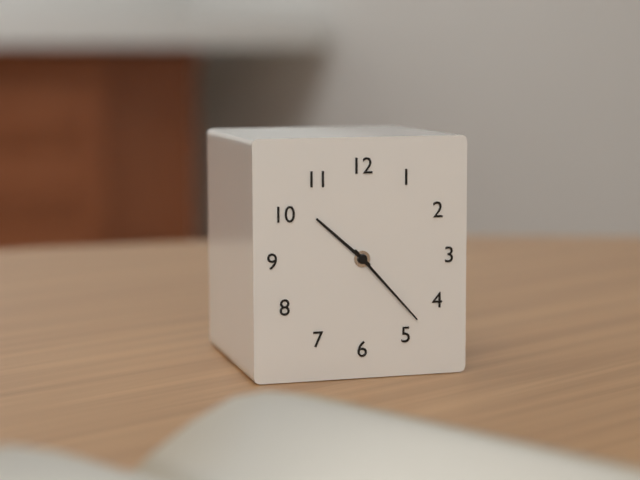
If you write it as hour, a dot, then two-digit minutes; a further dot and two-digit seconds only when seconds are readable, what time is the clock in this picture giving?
10.23
